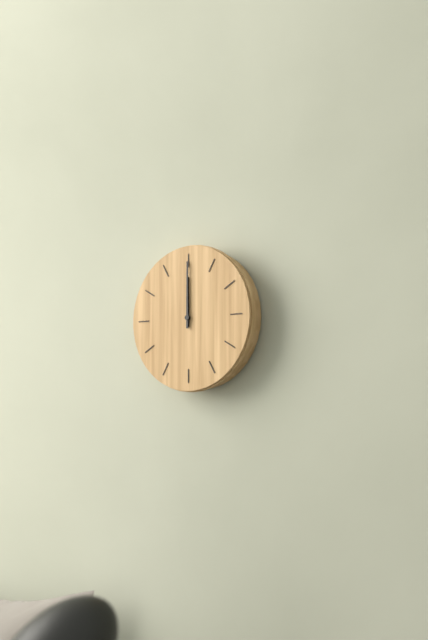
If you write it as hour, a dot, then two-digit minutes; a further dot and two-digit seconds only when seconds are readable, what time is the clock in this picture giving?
12.00
